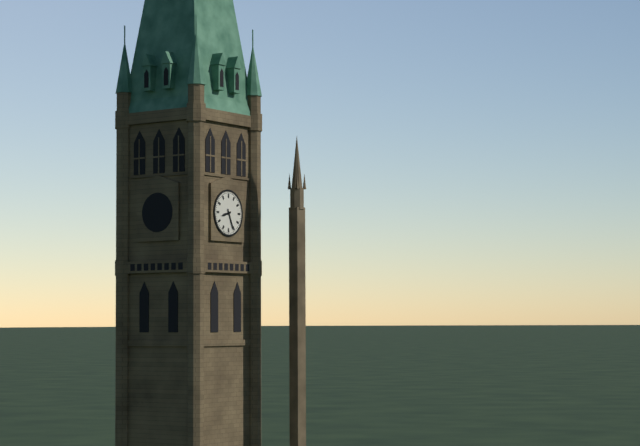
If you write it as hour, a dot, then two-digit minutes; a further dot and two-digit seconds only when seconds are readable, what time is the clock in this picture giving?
8.26
